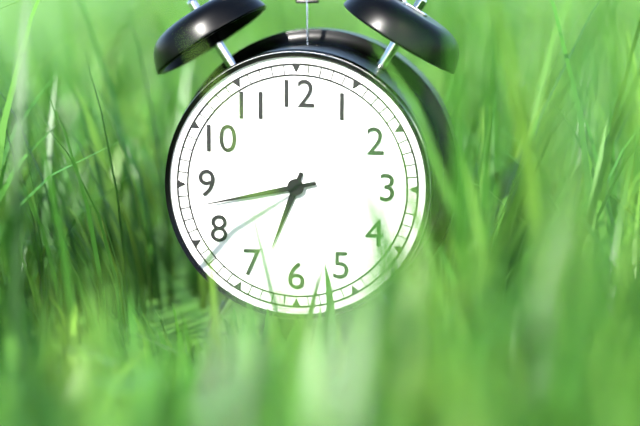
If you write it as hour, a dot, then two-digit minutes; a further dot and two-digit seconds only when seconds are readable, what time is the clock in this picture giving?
6.43
